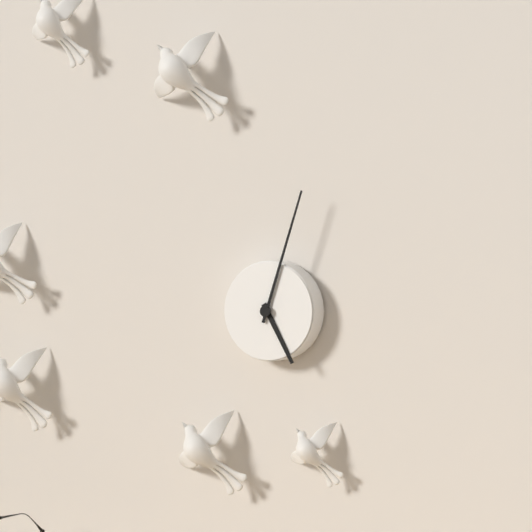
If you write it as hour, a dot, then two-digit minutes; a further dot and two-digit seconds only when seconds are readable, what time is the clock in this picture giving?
5.03
